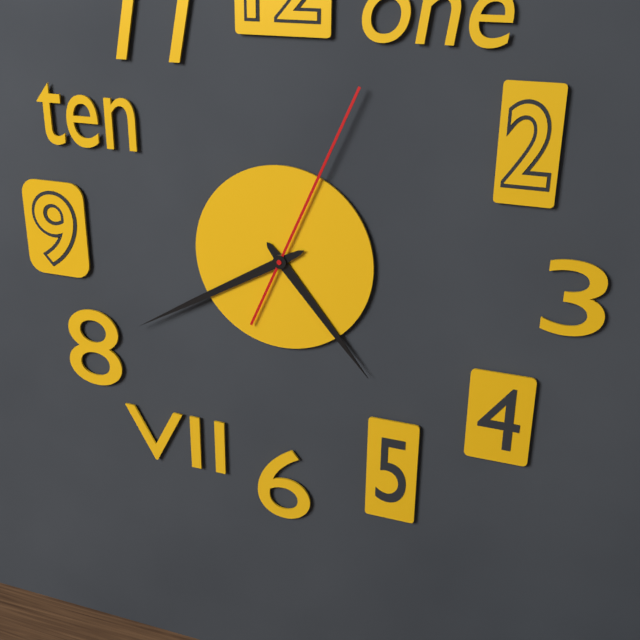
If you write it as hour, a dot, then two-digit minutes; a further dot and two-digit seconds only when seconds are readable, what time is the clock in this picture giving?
4.40.04
